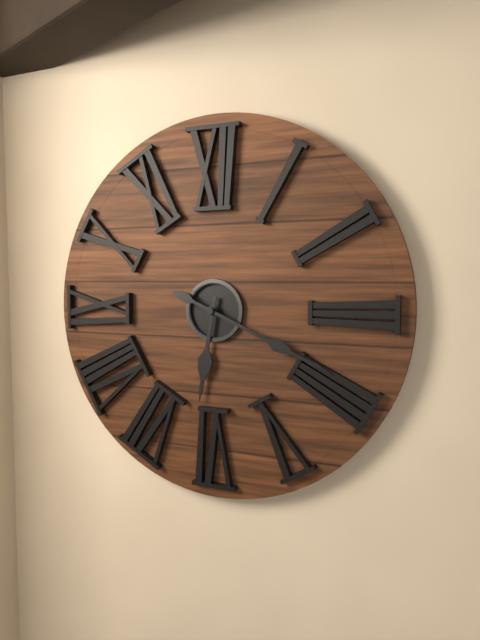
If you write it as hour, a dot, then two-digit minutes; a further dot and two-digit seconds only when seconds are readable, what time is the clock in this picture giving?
6.19
